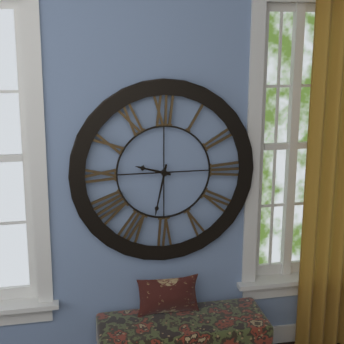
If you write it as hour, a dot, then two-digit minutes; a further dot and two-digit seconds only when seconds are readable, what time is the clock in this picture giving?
9.32
